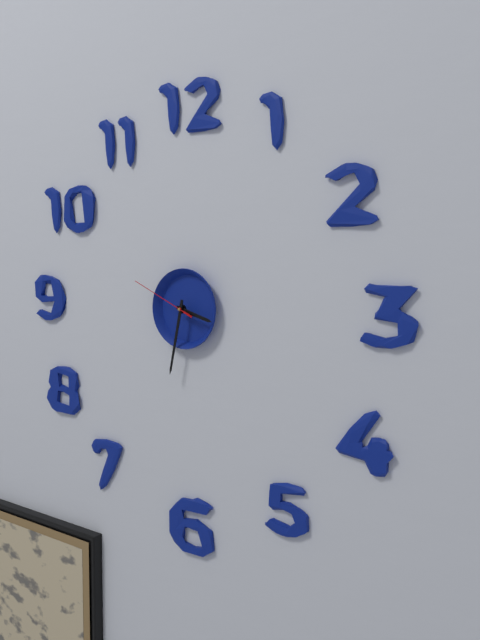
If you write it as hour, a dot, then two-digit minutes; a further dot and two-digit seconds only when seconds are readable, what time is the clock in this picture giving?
3.32.49
